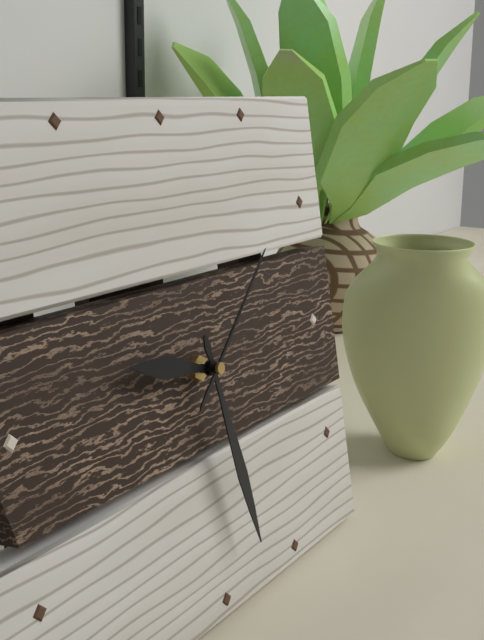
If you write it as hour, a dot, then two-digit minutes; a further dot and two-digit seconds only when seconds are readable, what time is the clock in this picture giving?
9.28.08
